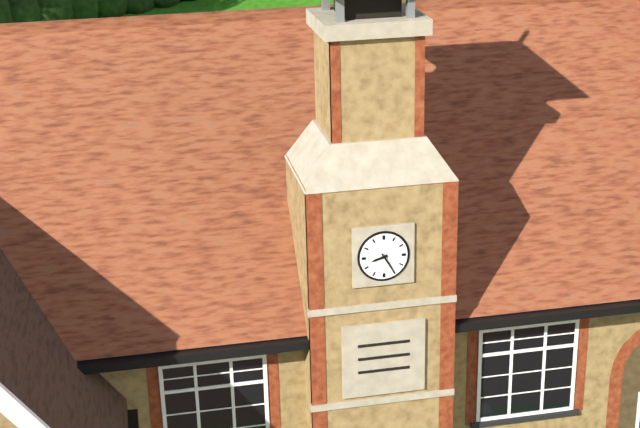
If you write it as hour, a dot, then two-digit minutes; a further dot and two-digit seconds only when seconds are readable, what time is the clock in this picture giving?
8.25
